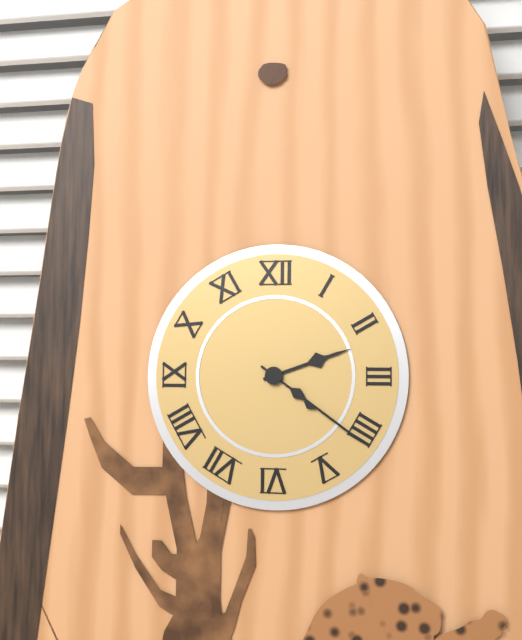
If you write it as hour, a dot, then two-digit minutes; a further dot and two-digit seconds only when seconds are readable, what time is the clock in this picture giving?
2.21
